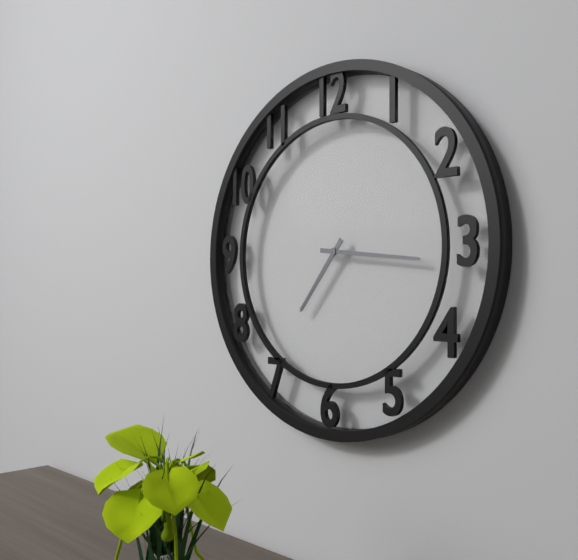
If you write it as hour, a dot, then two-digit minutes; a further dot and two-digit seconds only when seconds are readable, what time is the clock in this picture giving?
7.16
